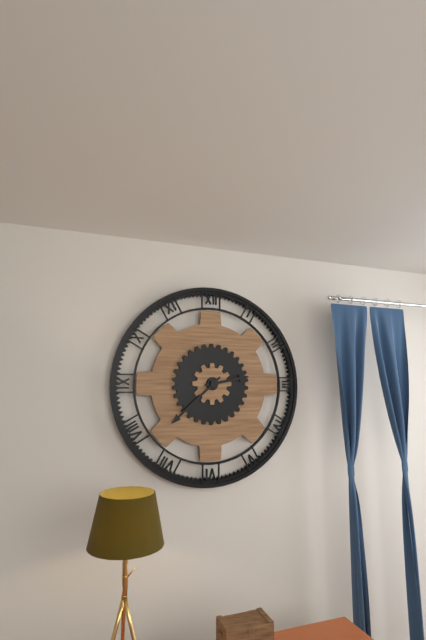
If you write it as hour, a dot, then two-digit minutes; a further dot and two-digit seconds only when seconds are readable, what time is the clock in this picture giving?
2.38
